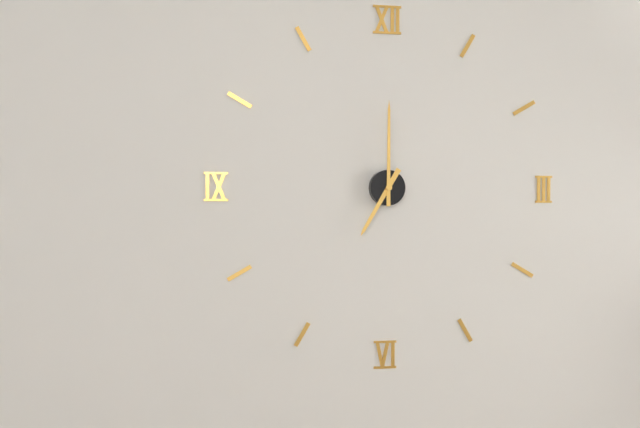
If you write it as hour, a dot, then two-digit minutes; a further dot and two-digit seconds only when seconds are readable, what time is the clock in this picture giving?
7.00
